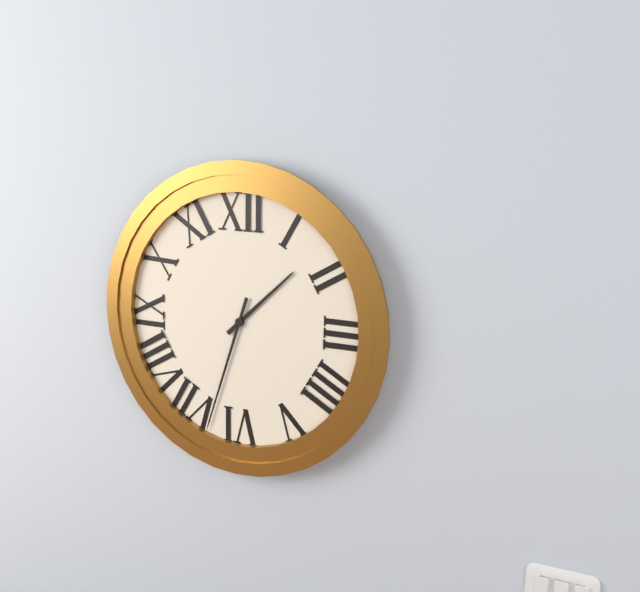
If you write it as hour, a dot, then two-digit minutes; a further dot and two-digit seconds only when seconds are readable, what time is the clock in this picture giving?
1.33
